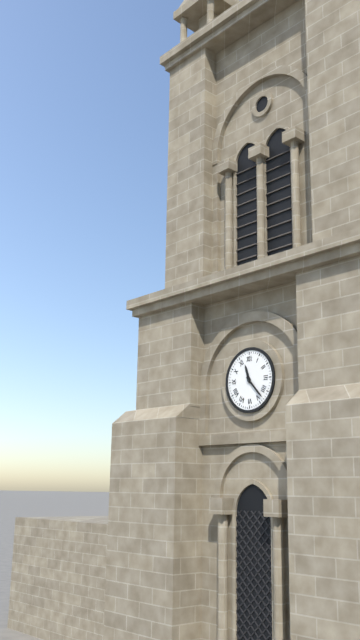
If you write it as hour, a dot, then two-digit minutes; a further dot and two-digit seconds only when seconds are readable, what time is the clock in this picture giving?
11.23
